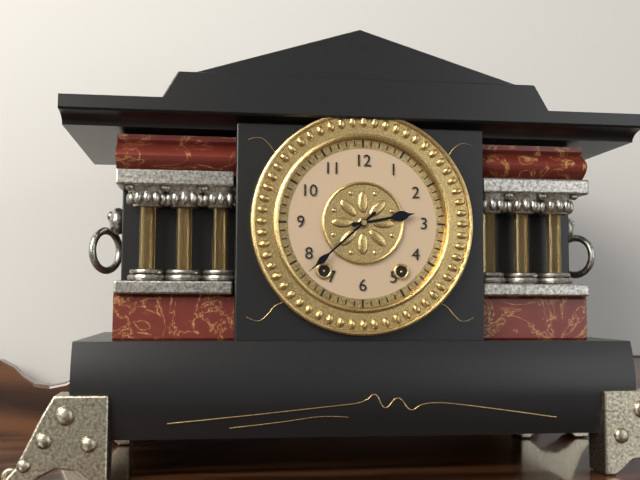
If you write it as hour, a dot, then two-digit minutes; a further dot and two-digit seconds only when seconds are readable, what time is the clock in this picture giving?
2.38
